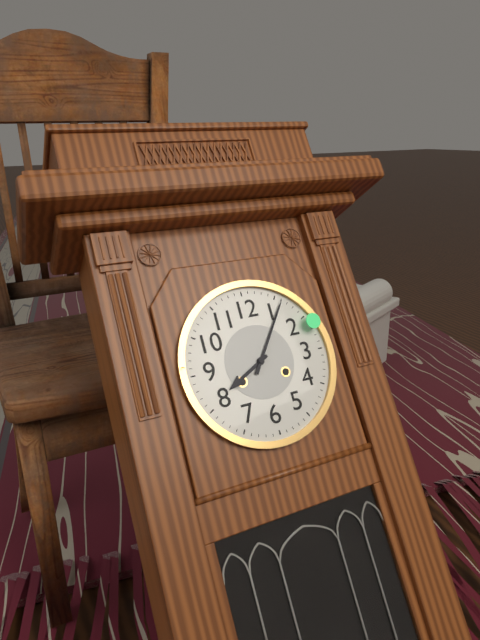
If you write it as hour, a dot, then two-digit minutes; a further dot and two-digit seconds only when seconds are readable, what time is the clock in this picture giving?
8.06
